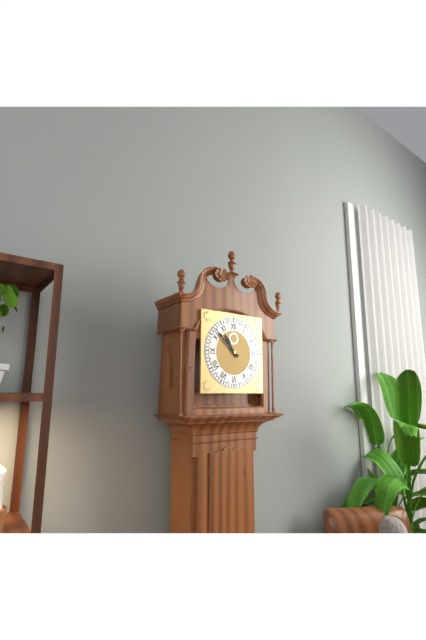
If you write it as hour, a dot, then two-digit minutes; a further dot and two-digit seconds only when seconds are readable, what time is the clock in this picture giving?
10.52
